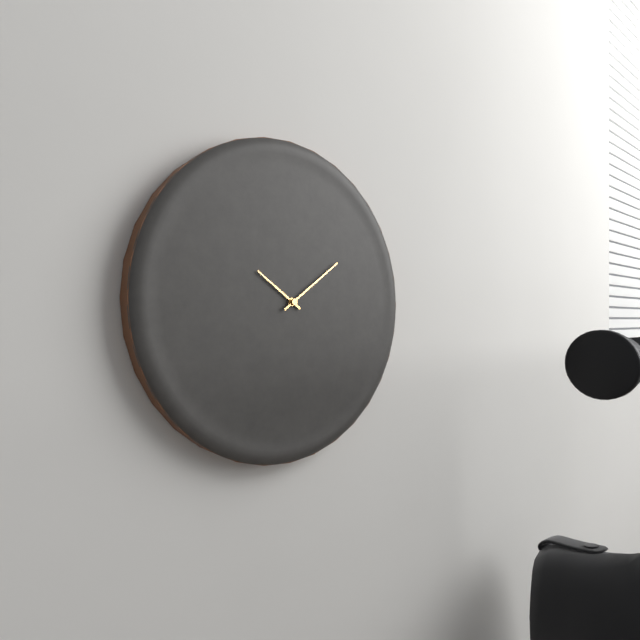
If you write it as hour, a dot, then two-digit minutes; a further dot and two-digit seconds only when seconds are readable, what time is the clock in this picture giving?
10.09
